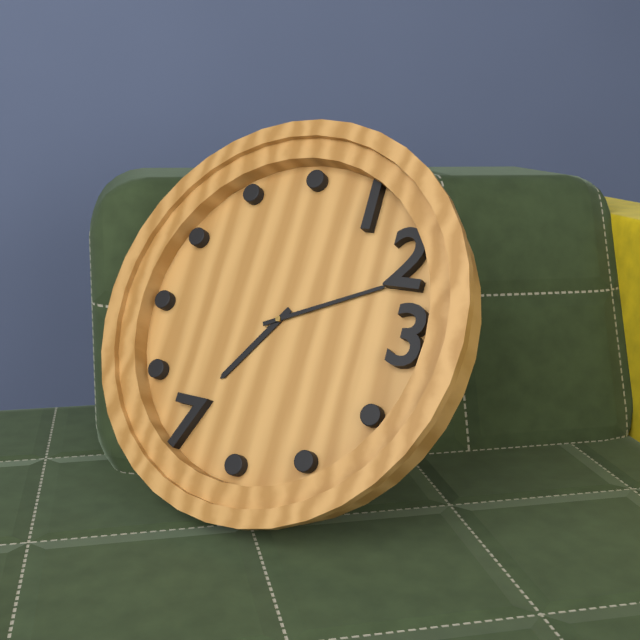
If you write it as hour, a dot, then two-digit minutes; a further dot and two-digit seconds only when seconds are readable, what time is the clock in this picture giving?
7.11
